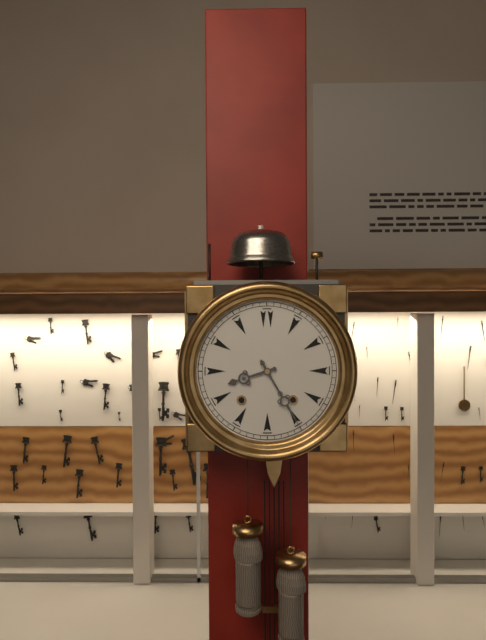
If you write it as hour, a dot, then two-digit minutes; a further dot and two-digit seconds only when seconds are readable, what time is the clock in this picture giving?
8.25
